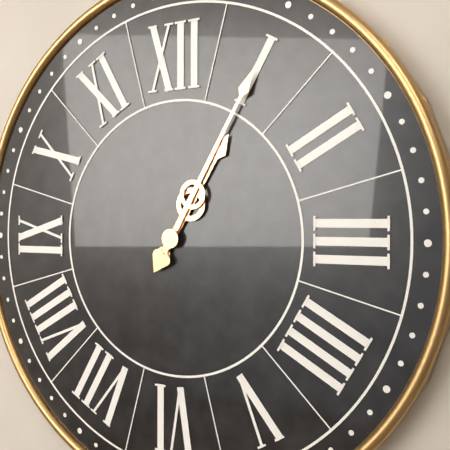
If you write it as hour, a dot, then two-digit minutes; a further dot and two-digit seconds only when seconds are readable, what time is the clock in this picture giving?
1.05
